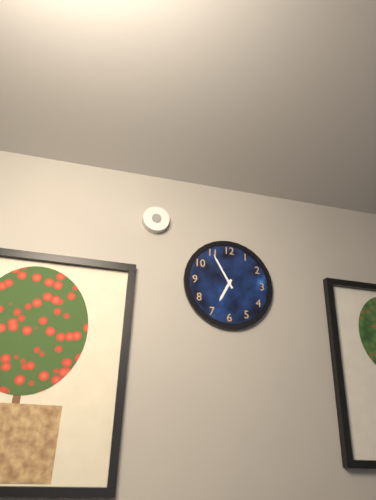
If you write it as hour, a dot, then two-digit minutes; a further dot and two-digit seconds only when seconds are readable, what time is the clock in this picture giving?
6.55
